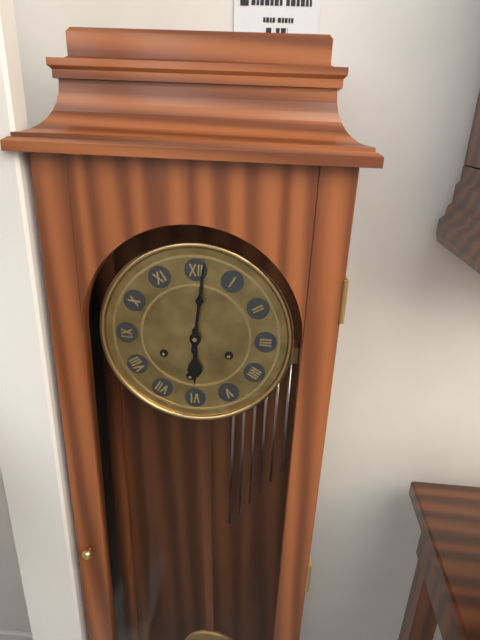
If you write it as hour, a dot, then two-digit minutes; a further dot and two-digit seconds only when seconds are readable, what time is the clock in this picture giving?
6.01
